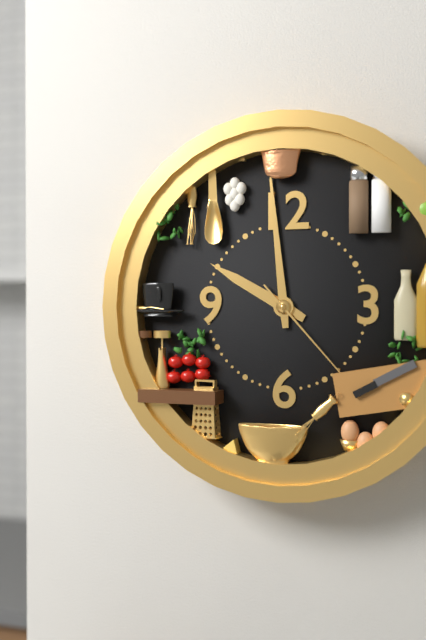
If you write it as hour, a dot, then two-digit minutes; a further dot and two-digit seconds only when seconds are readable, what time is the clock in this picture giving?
9.59.23
